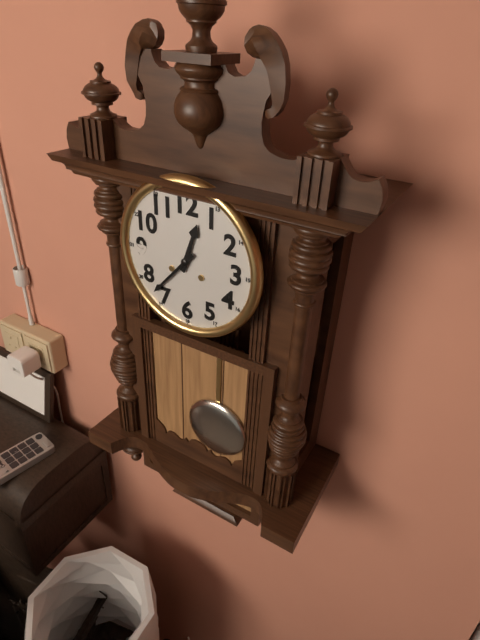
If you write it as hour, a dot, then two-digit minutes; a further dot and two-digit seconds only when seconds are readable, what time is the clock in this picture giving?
12.37
